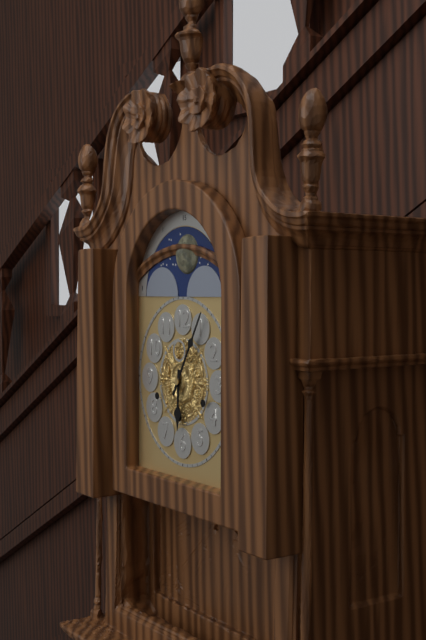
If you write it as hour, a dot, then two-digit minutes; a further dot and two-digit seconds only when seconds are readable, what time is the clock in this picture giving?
6.05
